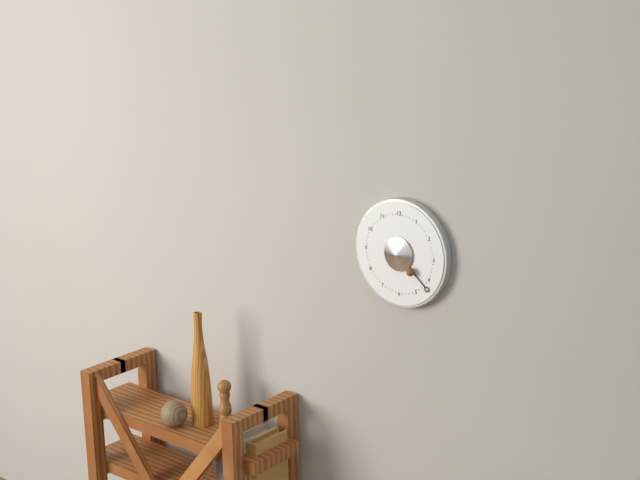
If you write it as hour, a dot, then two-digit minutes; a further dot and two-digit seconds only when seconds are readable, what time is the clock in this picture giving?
4.22
